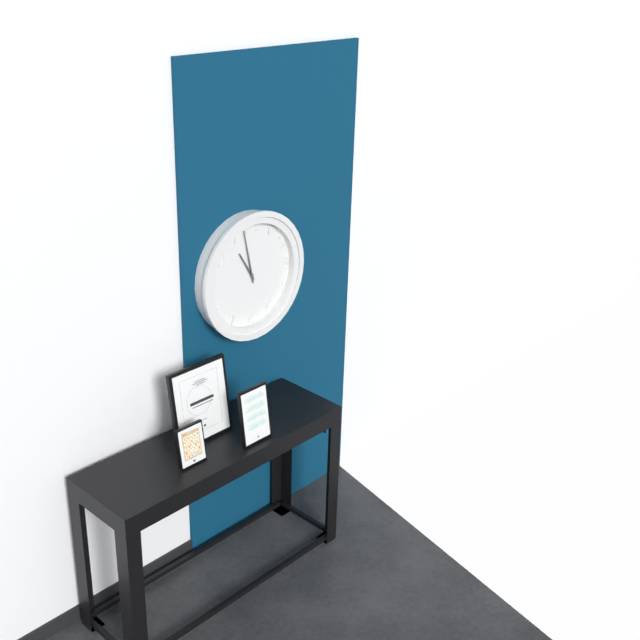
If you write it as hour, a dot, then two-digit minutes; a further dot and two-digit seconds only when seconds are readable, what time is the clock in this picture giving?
10.58
